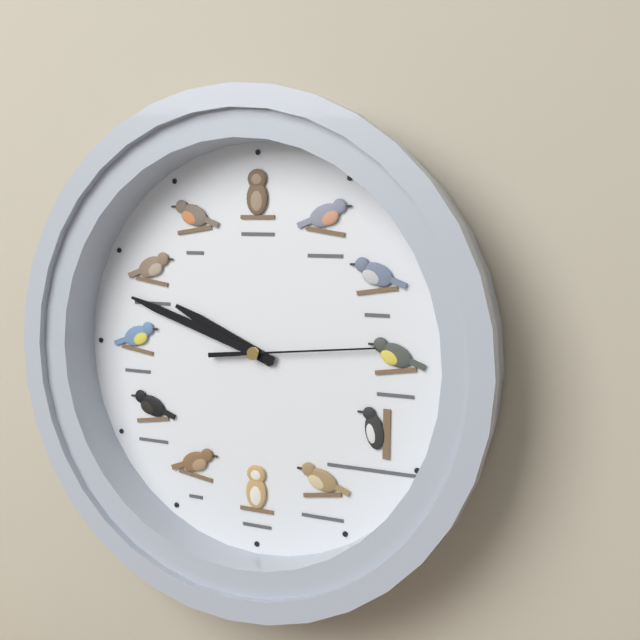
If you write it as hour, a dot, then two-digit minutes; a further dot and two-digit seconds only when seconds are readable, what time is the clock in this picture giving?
9.48.14
